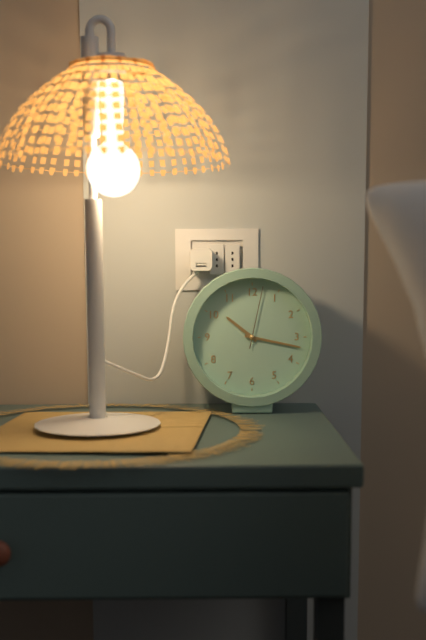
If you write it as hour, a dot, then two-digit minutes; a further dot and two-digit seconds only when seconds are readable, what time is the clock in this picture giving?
10.17.02
